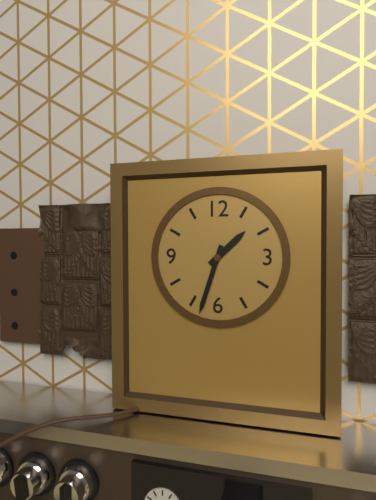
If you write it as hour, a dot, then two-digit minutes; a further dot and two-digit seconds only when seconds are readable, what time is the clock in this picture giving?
1.33
